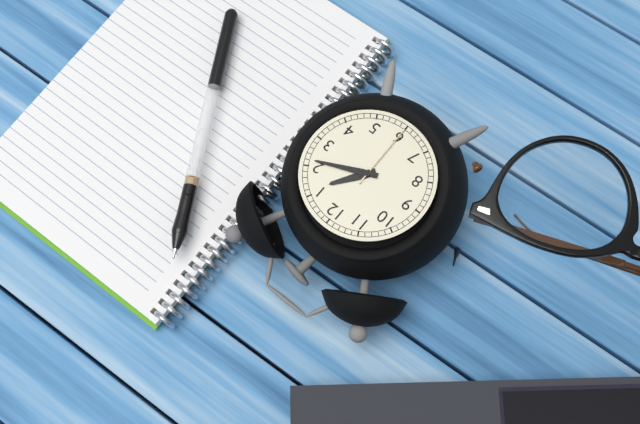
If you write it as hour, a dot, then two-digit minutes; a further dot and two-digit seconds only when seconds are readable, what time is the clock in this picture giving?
1.11.30
